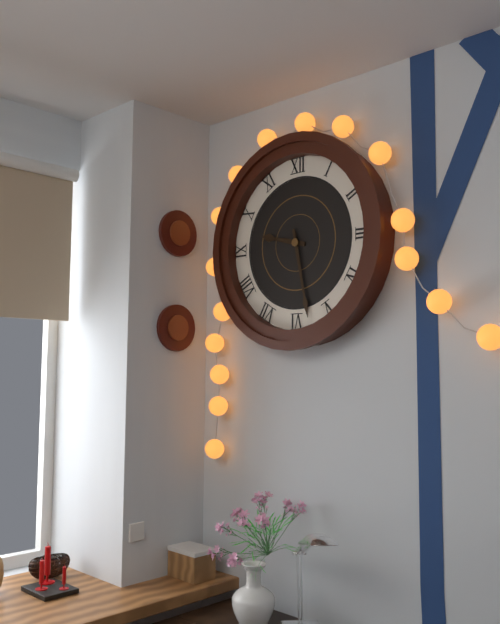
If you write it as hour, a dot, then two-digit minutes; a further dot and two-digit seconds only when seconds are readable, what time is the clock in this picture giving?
9.28
